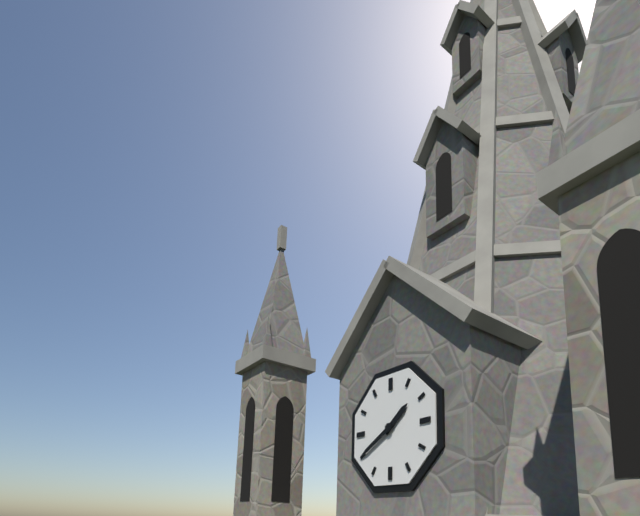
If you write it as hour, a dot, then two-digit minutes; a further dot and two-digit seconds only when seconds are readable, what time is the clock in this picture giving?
1.40
